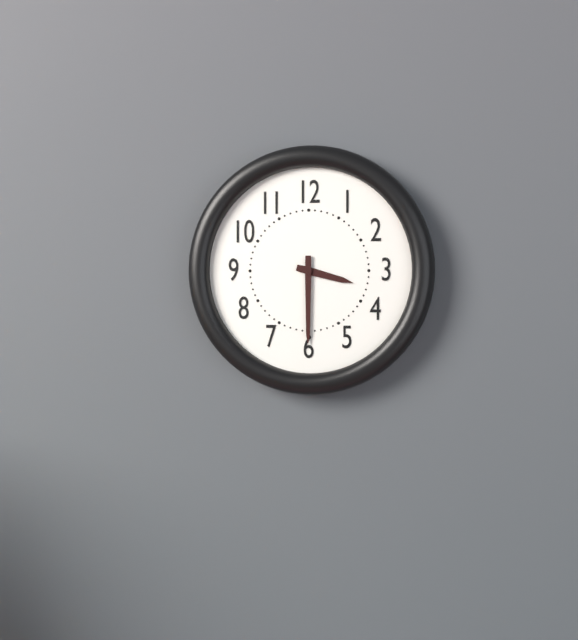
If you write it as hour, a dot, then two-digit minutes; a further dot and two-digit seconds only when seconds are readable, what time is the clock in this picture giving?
3.30
